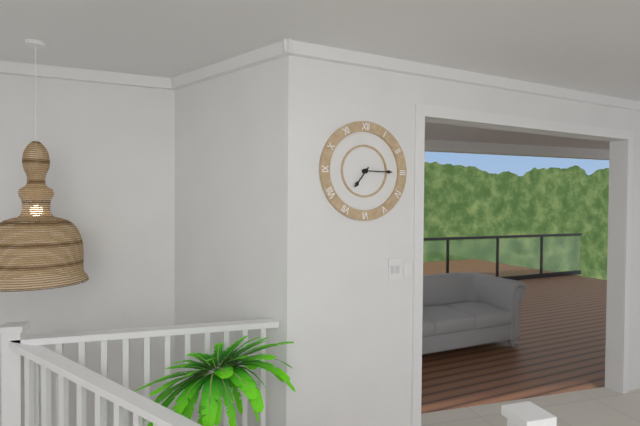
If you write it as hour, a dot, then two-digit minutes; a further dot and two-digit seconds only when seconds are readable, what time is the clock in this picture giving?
7.15
